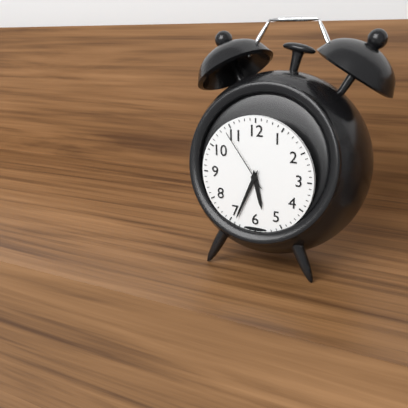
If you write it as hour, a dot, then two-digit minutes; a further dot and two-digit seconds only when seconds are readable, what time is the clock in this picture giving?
5.34.54
